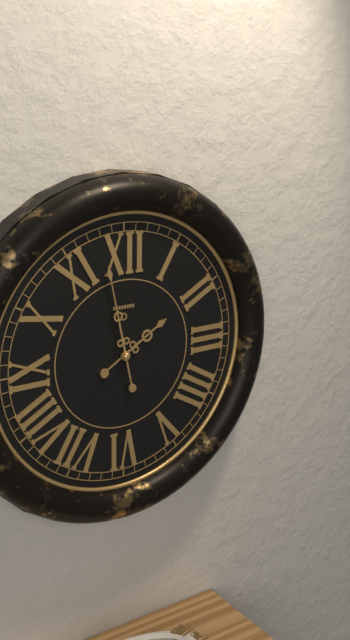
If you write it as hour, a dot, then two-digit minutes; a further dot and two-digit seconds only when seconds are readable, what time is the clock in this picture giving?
1.58
